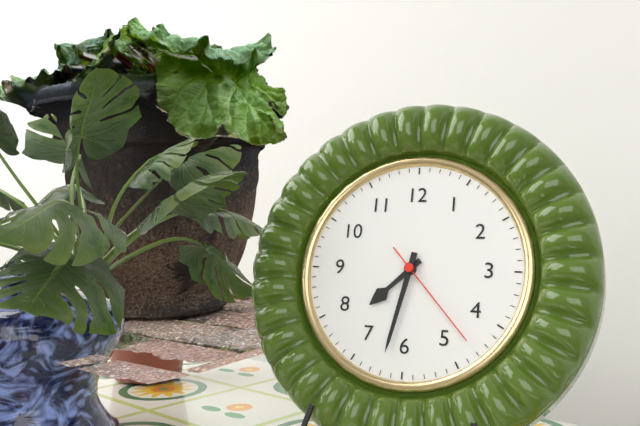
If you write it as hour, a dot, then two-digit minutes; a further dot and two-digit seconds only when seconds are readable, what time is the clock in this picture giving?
7.32.23
